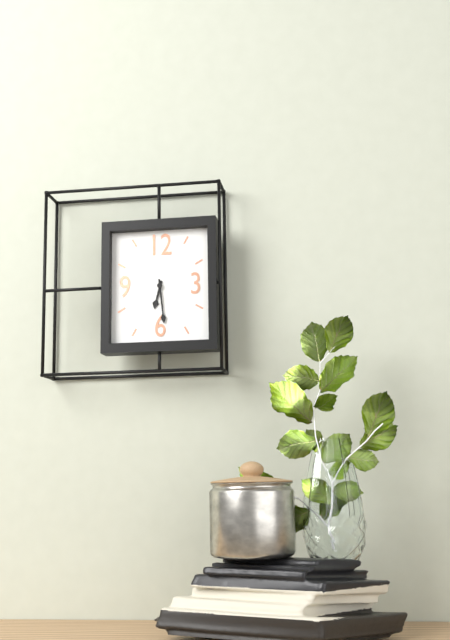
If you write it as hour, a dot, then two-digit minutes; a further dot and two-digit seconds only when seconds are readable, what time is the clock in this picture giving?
6.29
